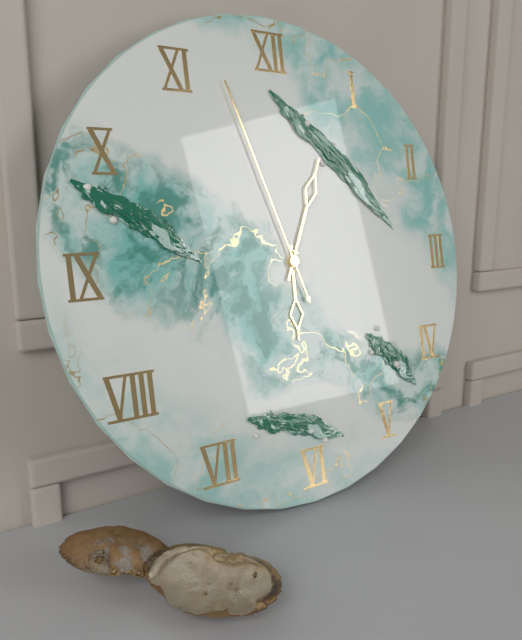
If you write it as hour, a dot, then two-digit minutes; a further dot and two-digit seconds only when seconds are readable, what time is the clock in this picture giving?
6.04.57
